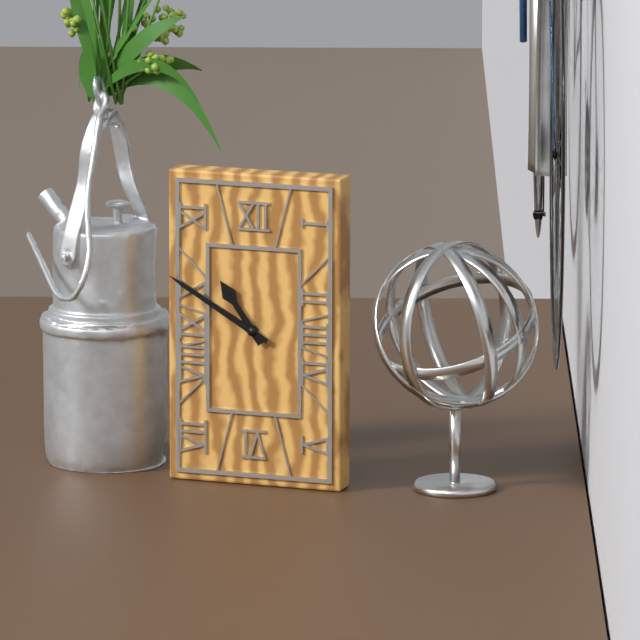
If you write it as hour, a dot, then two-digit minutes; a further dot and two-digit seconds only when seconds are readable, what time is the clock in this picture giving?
10.50
